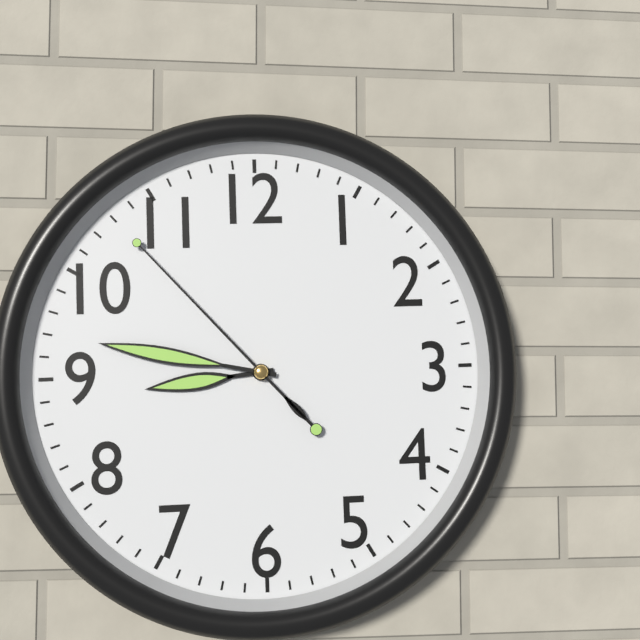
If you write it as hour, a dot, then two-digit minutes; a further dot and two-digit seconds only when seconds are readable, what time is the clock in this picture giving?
8.47.53
